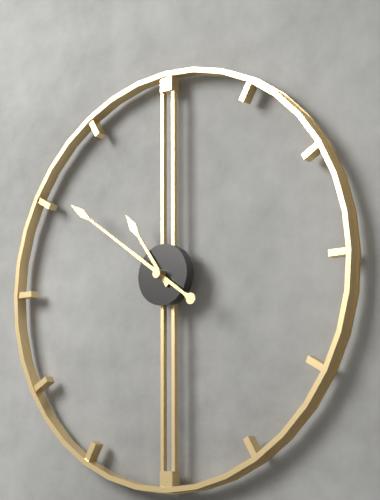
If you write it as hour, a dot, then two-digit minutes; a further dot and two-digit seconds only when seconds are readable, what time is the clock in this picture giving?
10.51
